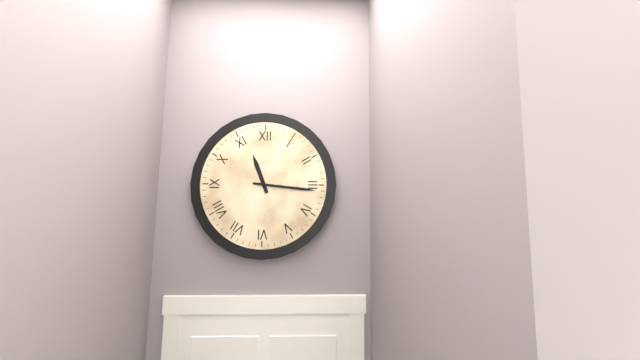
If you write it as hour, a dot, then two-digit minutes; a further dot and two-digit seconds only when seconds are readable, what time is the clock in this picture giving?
11.16
